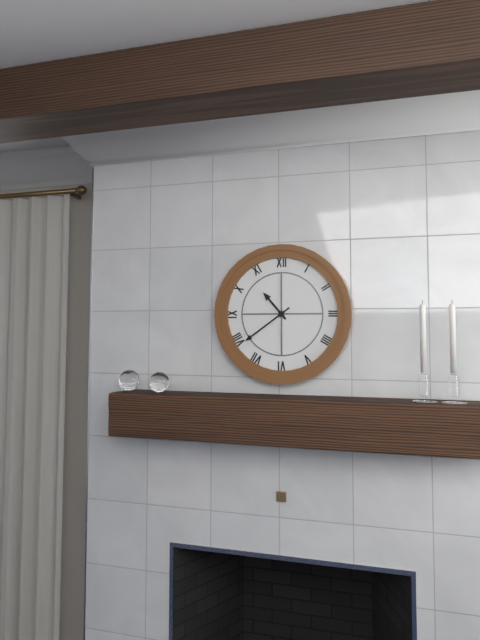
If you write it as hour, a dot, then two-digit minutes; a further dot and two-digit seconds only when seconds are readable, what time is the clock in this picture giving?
10.39
